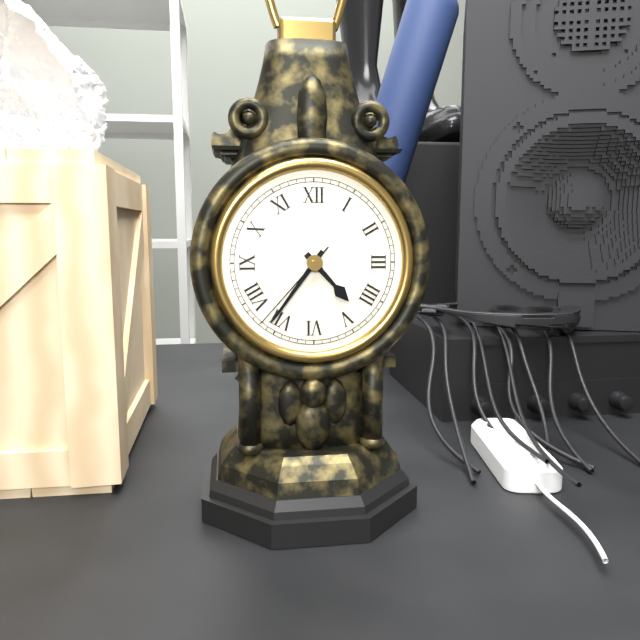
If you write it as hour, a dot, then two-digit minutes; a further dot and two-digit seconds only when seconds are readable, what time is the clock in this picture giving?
4.36.37
